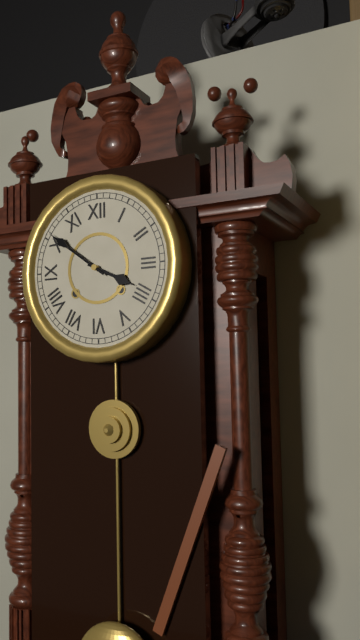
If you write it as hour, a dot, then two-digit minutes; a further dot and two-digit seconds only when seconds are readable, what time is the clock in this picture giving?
3.51
